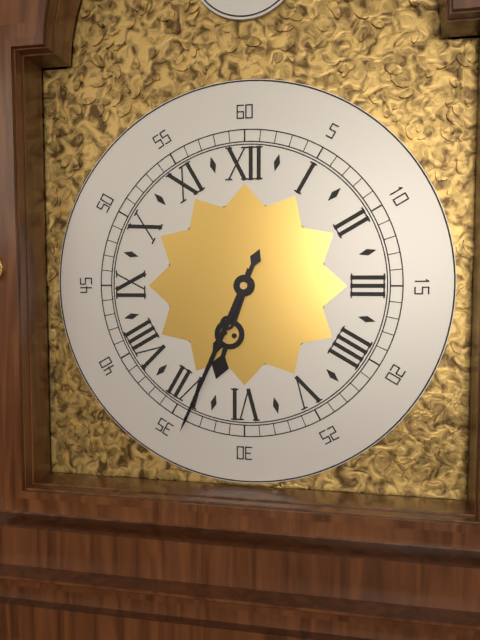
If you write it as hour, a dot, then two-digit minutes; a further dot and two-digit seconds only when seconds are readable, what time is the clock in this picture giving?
6.34
